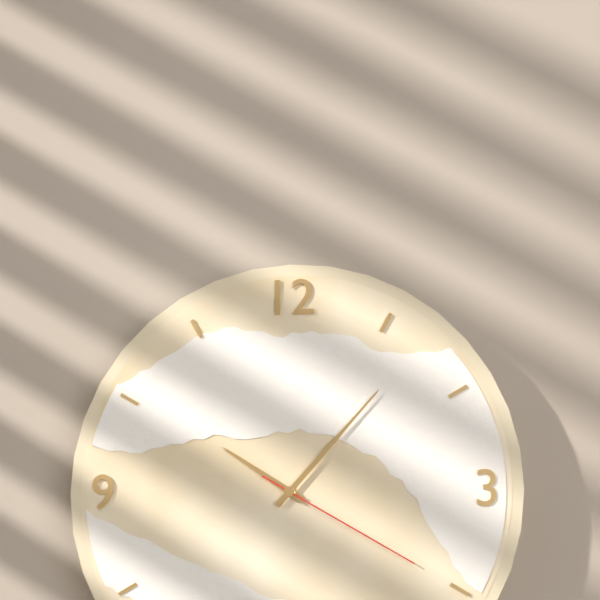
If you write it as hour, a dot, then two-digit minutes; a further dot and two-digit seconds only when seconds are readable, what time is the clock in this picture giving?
10.07.20
